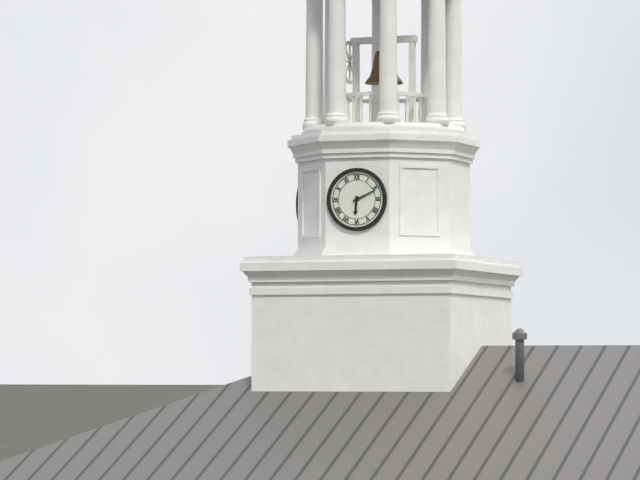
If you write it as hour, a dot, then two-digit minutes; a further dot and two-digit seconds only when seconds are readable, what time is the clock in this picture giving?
6.11
